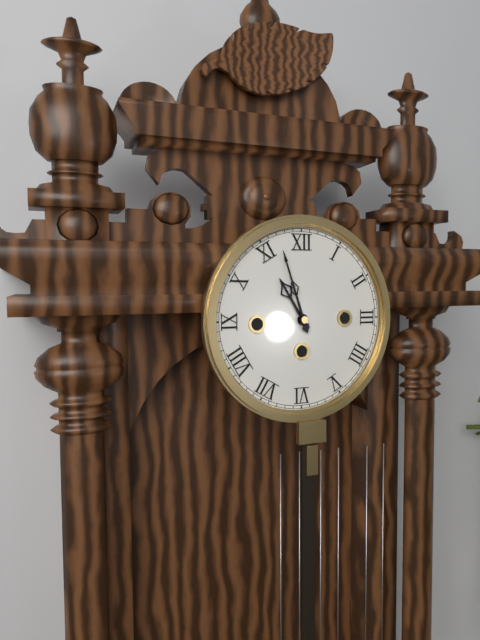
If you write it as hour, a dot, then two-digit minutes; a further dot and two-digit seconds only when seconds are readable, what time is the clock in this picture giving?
10.57
